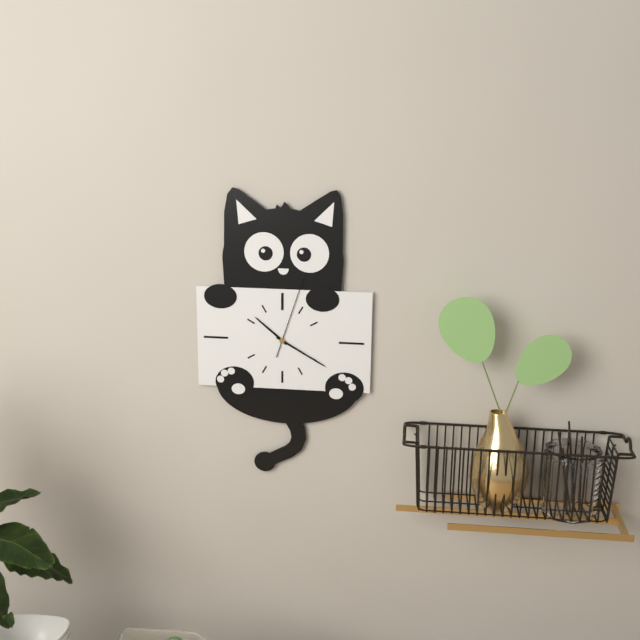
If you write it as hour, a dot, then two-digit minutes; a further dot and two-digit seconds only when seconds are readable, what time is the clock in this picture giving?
10.20.03
